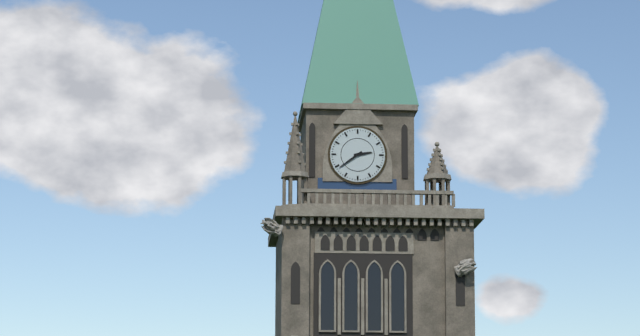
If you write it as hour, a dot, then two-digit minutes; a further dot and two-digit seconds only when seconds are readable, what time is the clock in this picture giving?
2.39
